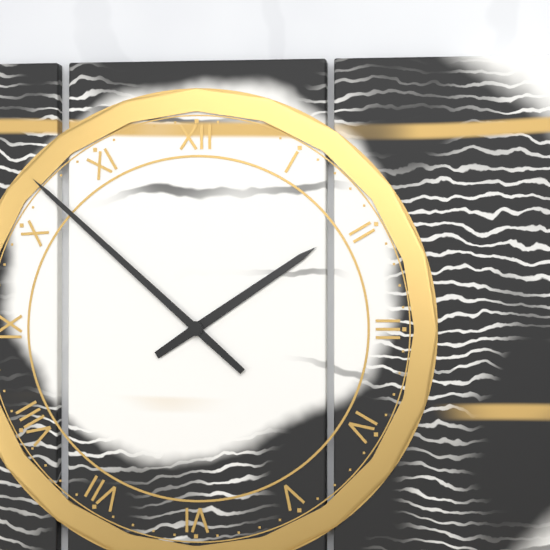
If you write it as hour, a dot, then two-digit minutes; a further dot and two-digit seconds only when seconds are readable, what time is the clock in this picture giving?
1.52
